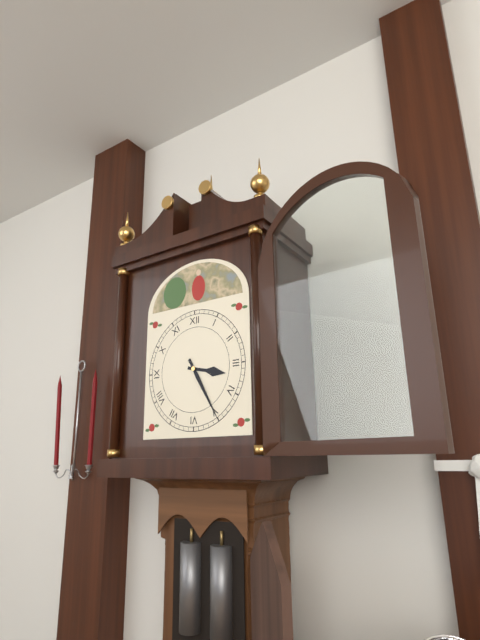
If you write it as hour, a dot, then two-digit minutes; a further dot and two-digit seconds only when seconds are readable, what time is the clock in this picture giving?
3.25
